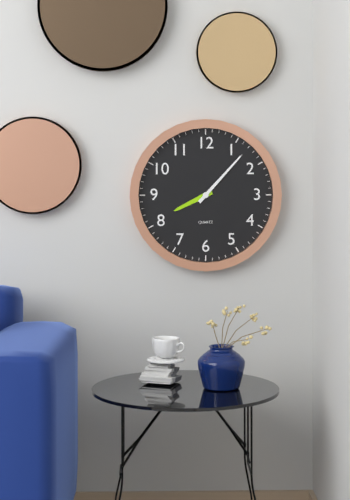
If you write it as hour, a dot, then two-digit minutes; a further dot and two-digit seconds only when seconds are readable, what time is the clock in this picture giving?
8.07
